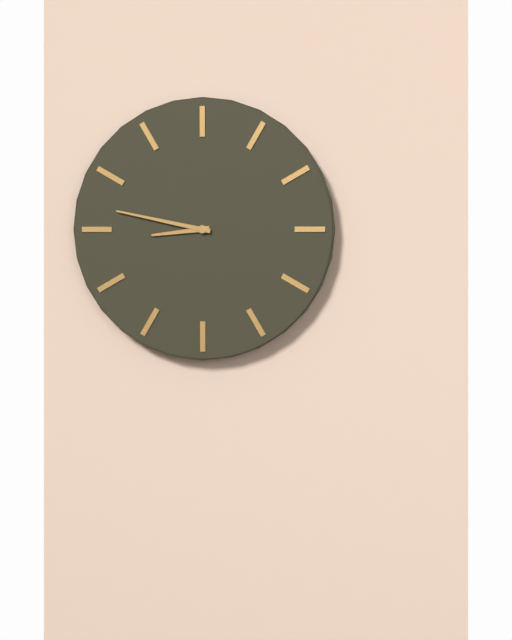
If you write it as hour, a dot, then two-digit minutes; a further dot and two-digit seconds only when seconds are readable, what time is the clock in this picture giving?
8.47
